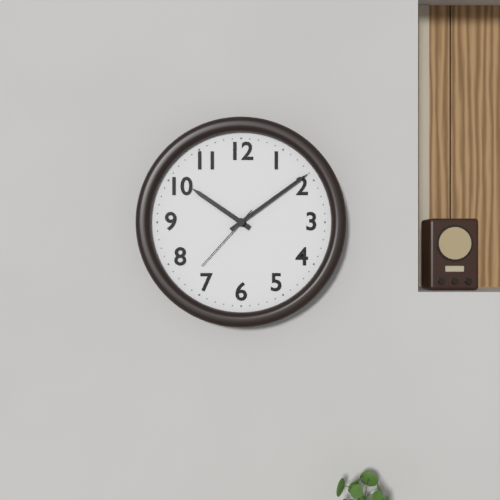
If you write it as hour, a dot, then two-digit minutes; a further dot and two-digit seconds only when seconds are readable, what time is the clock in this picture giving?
10.09.37
